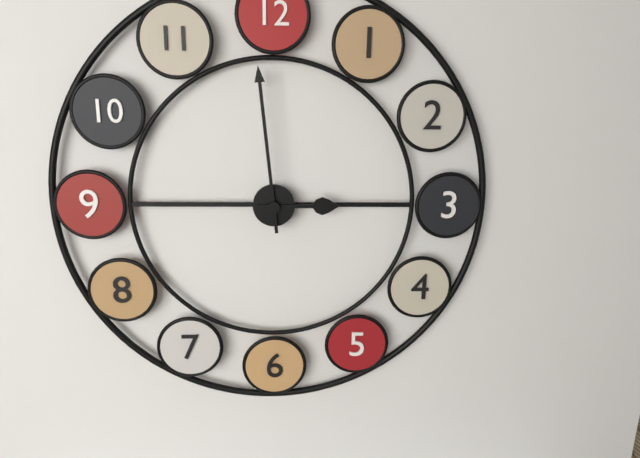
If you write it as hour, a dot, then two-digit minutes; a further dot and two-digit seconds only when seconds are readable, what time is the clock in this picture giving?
2.59
